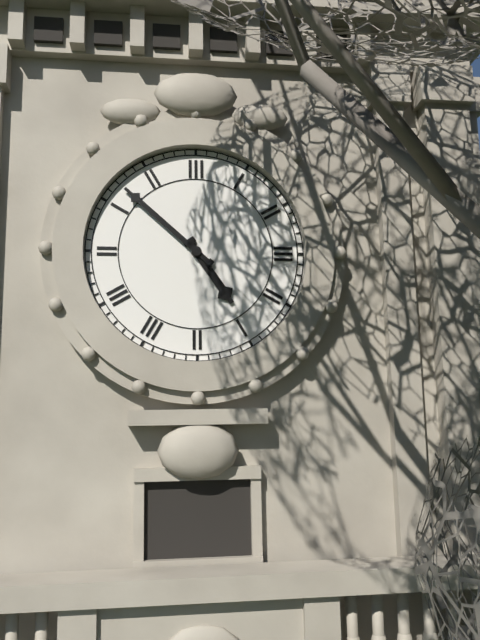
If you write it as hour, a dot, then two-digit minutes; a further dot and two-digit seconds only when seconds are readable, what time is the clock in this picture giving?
4.52
